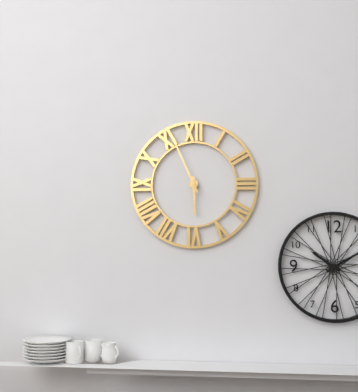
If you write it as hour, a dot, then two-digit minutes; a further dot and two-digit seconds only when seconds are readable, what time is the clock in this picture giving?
5.56
